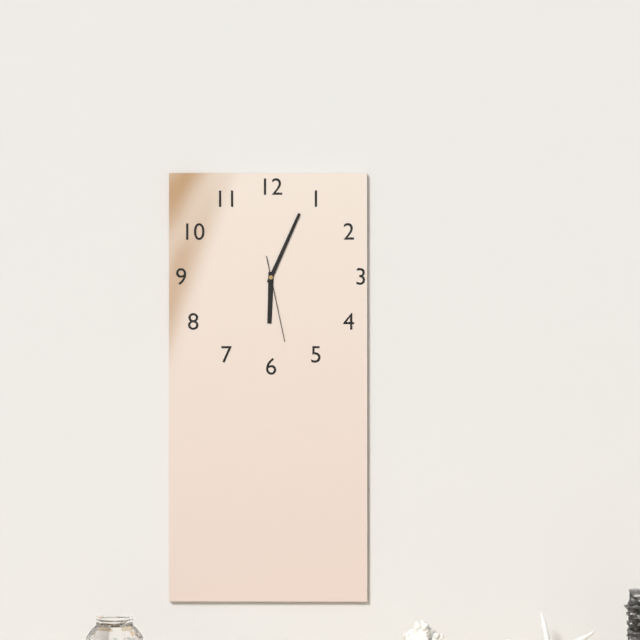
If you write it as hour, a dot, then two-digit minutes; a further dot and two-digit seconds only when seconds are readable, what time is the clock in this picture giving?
6.04.28
